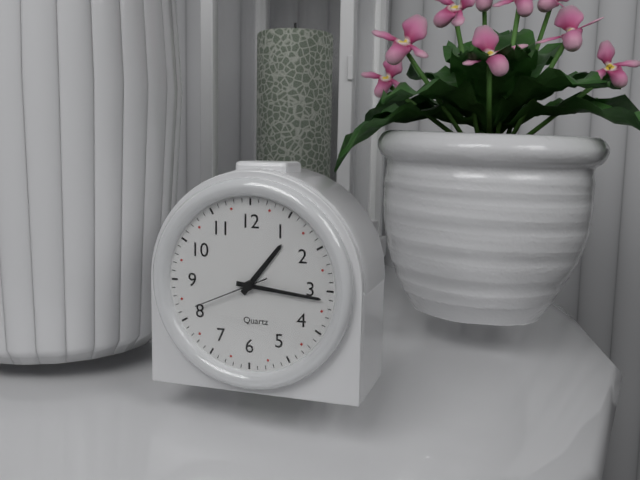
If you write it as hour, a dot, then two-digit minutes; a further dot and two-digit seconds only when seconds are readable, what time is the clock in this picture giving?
1.16.41
